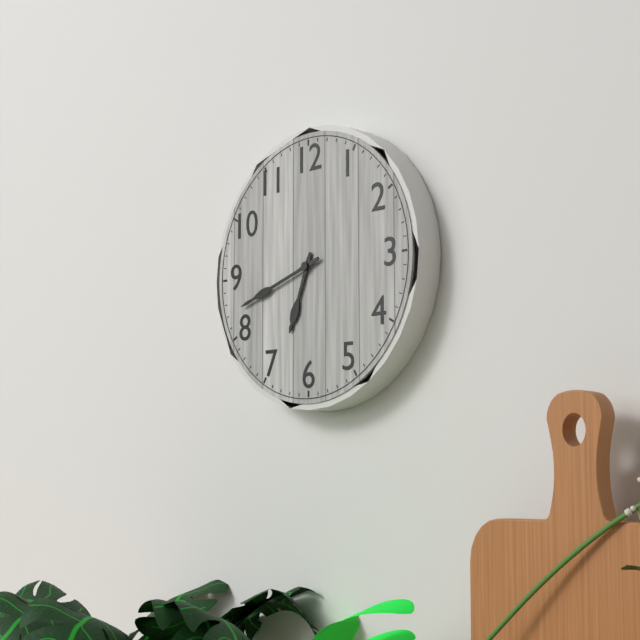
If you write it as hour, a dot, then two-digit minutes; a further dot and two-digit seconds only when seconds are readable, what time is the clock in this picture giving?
6.42
